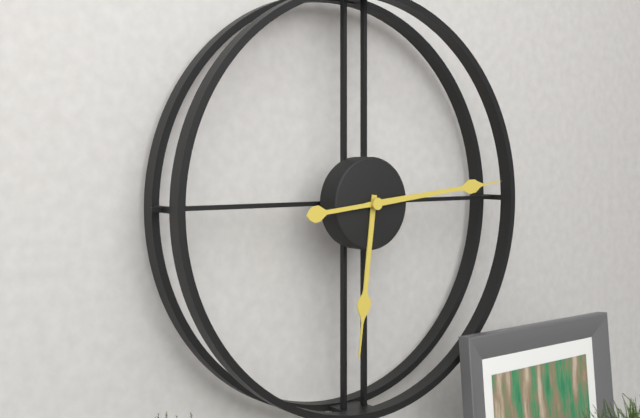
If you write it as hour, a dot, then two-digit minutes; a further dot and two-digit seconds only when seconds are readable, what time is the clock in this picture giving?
6.14
